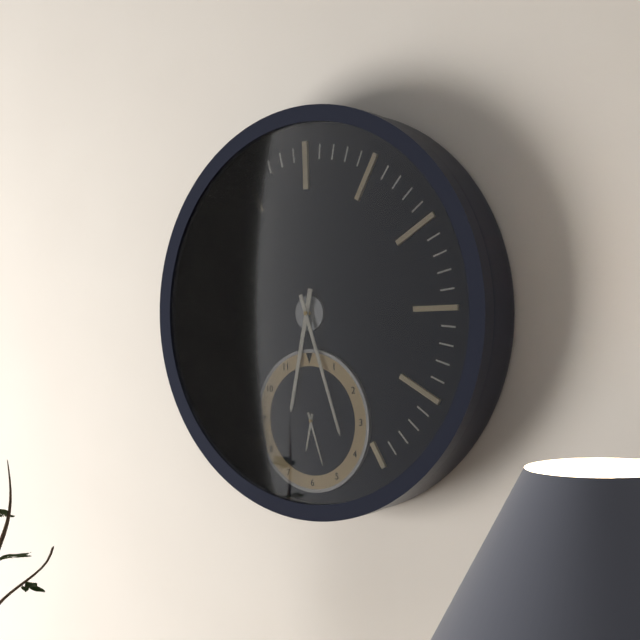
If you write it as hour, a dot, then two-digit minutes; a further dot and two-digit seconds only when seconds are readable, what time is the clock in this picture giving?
6.27
